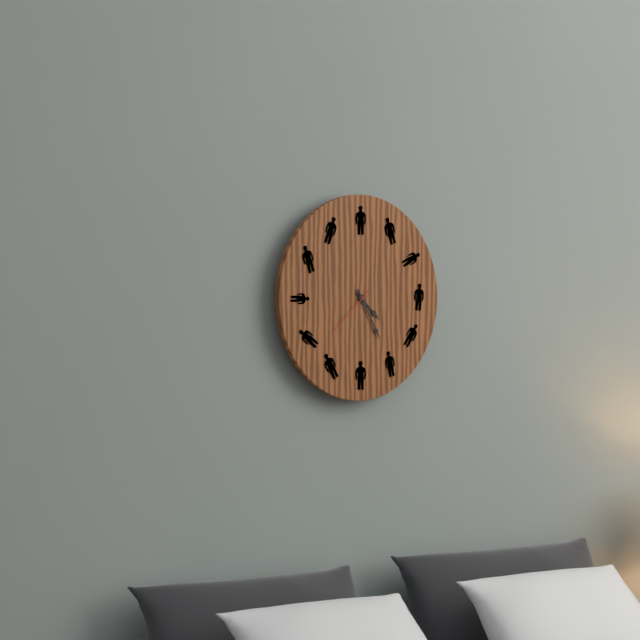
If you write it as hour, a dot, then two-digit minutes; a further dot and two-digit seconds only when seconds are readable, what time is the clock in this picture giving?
4.25.38
